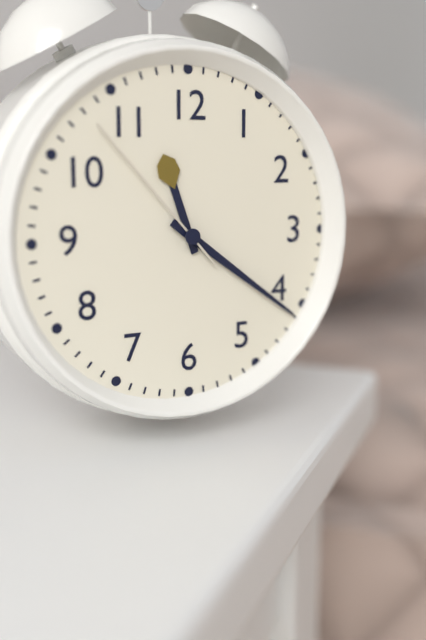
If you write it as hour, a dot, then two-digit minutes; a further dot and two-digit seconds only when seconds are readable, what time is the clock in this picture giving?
11.21.53
